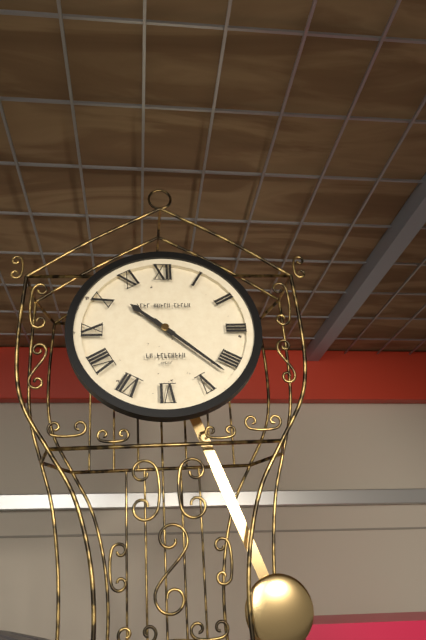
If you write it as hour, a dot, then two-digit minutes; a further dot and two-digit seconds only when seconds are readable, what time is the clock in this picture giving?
10.22
